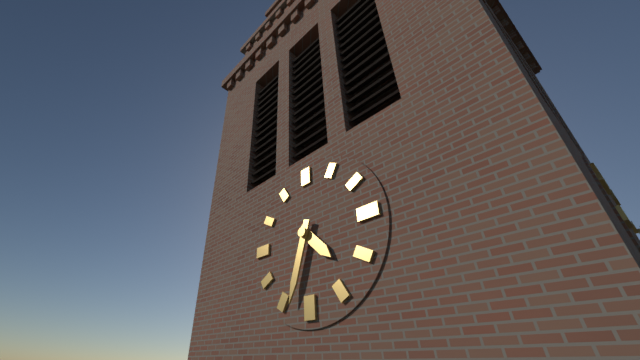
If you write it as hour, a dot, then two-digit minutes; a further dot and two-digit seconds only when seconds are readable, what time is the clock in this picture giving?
4.33
